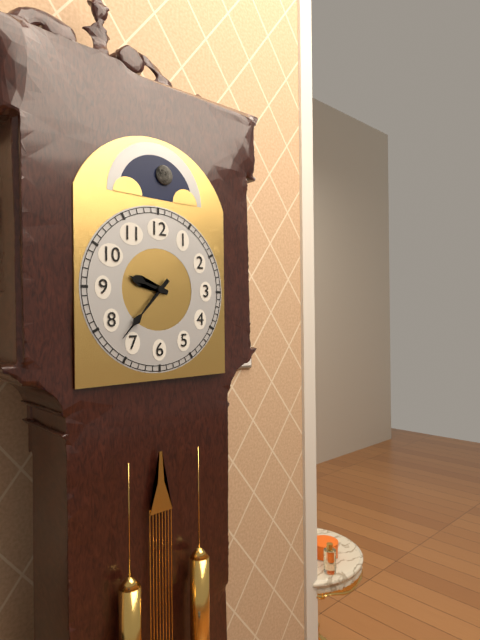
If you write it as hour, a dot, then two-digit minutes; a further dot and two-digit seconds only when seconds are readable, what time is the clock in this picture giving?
9.37
